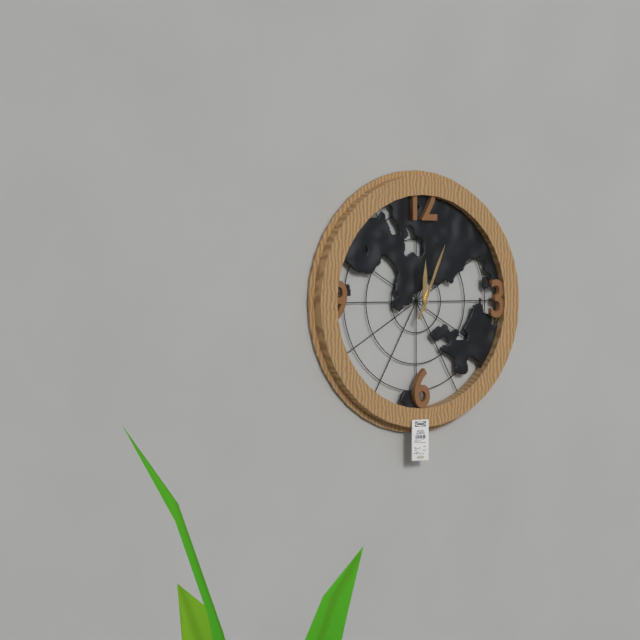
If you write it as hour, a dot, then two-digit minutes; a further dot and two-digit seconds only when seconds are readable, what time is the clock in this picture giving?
12.04
